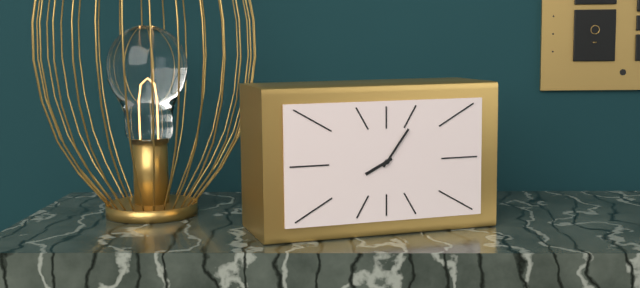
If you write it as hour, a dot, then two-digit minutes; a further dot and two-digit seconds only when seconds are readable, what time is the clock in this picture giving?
8.06
